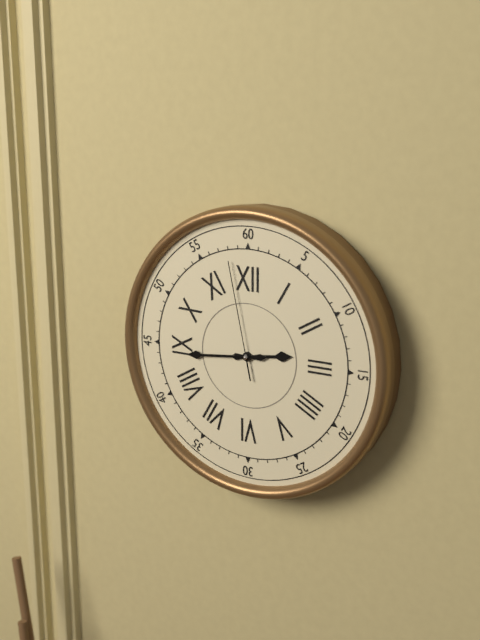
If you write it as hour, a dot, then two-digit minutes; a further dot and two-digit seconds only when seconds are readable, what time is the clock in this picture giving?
2.44.58
